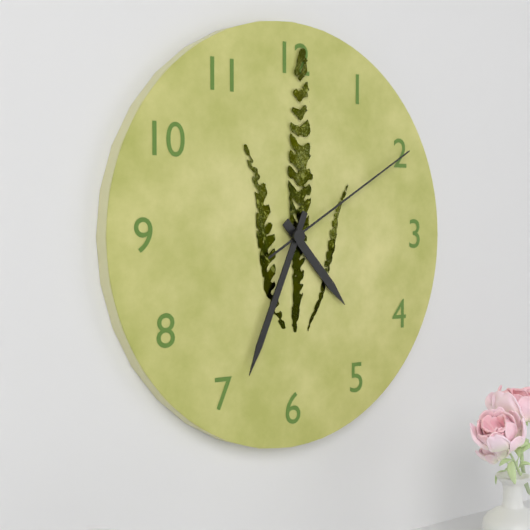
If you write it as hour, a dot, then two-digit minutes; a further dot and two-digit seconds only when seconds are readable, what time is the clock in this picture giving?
4.34.10
